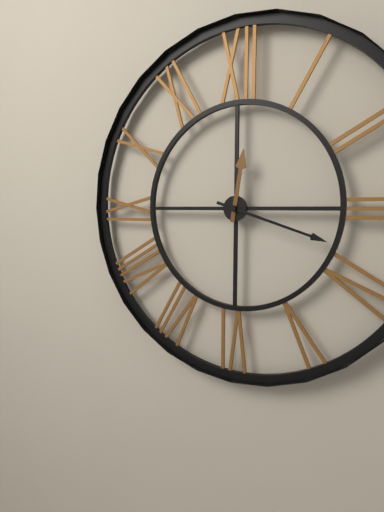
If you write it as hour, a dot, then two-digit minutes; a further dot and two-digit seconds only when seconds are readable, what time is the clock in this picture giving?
12.18
